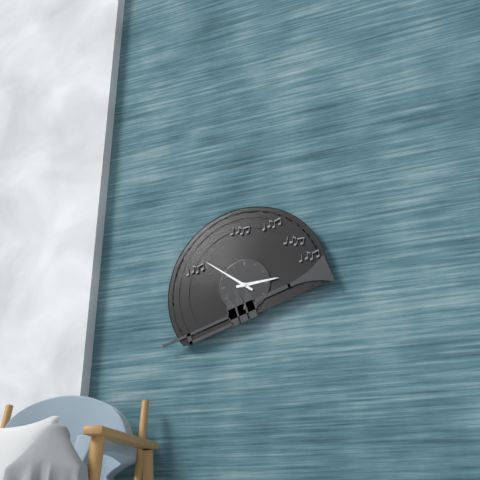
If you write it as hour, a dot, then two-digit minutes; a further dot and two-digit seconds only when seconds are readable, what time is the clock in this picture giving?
2.51
